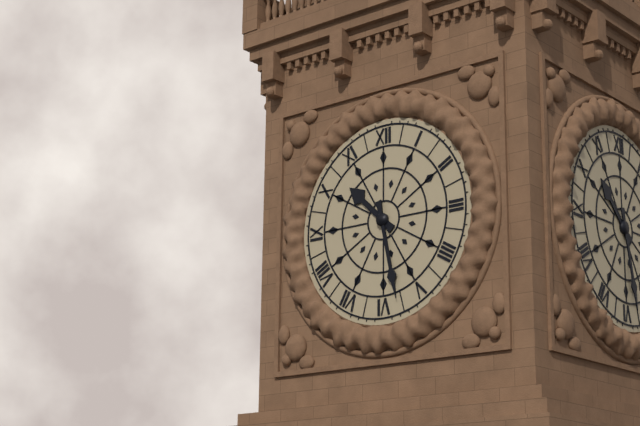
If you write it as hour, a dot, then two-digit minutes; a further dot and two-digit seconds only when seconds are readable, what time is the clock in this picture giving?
10.28
